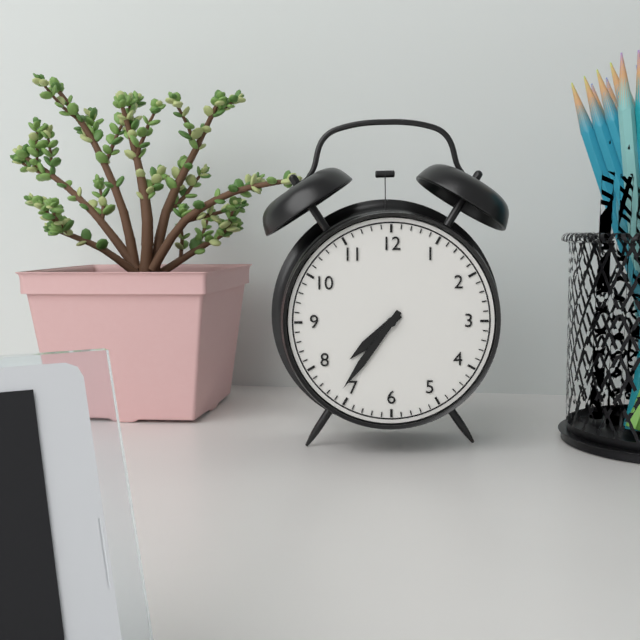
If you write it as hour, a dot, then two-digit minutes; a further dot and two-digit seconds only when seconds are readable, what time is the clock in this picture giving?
7.36
